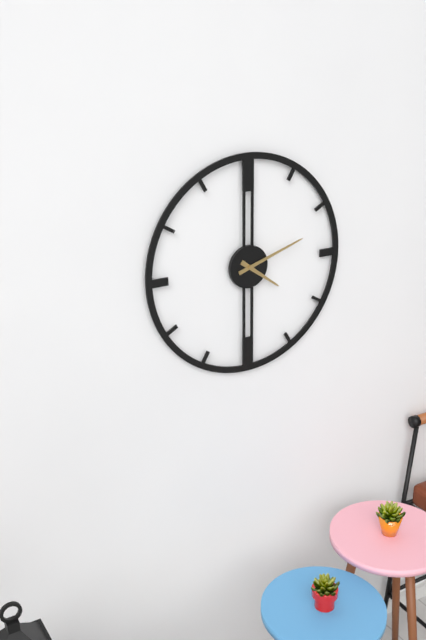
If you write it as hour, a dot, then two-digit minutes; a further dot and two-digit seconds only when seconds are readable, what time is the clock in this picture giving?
4.12
